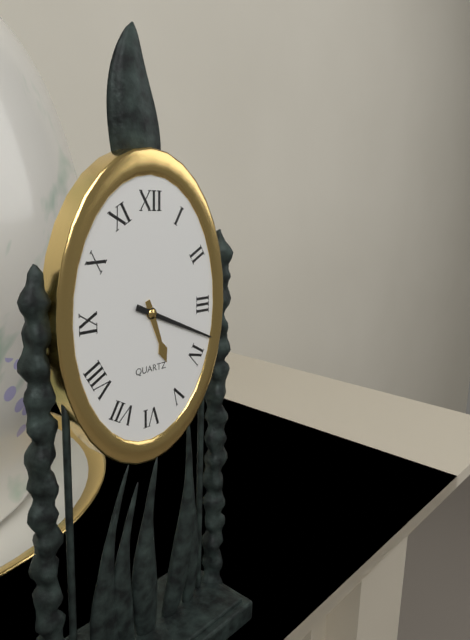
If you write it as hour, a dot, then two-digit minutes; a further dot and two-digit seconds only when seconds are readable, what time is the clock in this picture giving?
5.19
